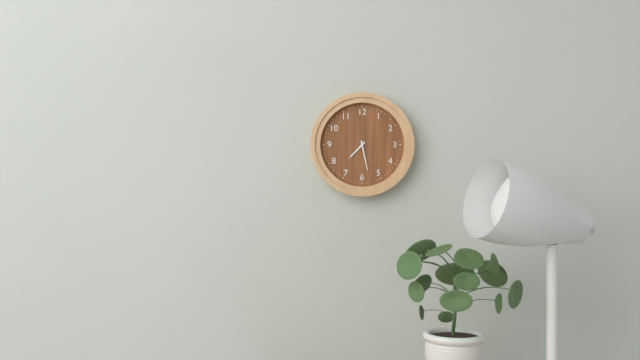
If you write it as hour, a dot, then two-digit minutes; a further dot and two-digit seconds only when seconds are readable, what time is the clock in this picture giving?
7.28
